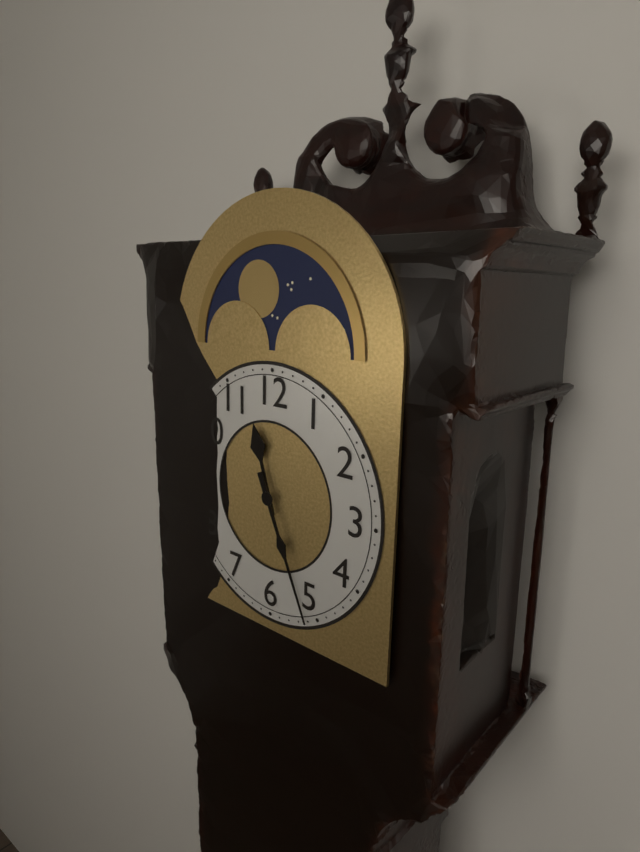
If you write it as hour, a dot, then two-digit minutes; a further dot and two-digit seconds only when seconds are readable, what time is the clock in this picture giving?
11.26
